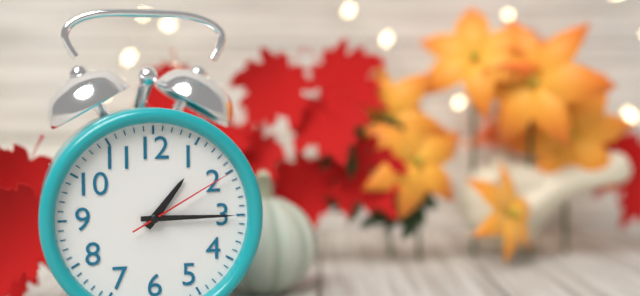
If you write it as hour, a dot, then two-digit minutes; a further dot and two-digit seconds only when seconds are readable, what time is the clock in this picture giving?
1.15.10
